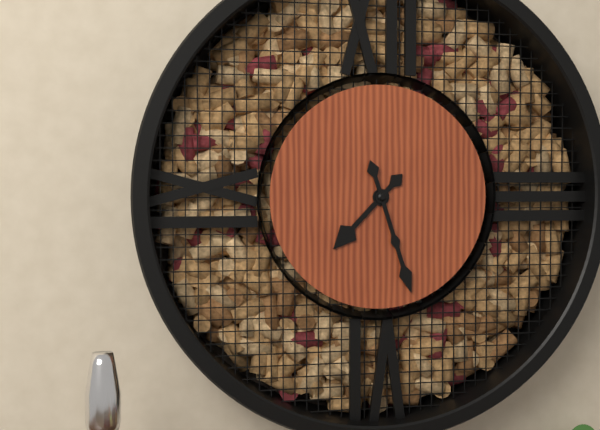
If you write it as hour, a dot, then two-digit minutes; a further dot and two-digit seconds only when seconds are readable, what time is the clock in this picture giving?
7.27
